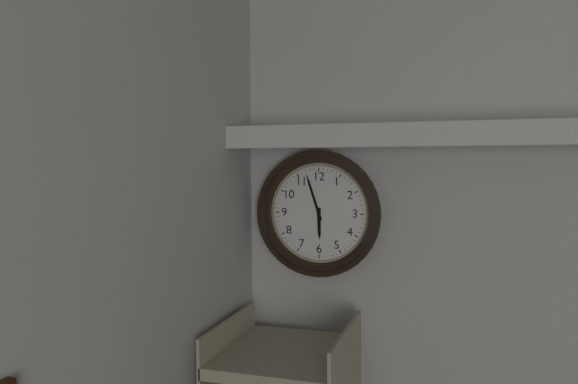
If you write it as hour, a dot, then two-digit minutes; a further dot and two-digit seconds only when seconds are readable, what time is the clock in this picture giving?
5.57
